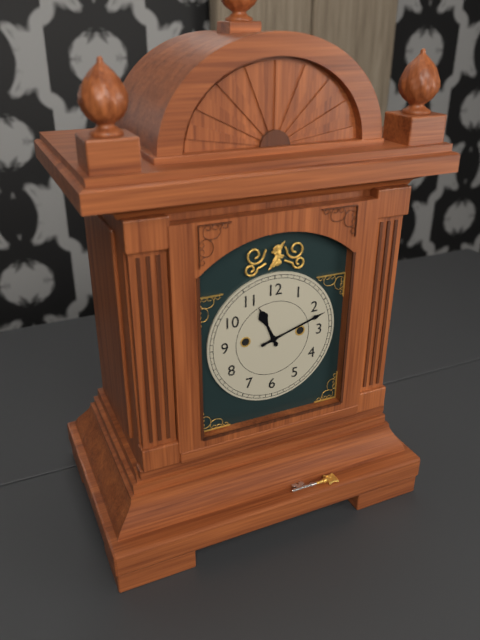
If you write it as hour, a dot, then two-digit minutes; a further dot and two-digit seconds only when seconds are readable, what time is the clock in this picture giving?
11.12
